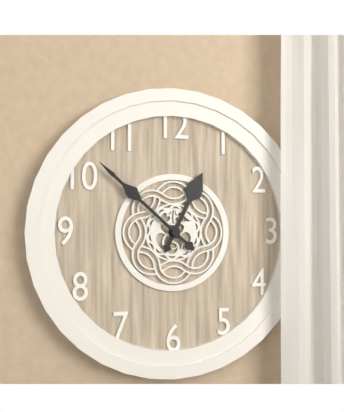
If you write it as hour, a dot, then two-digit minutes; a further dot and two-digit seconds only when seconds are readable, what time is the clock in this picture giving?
12.52
